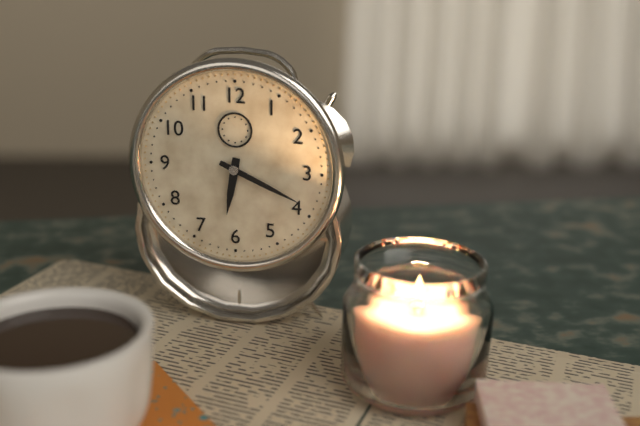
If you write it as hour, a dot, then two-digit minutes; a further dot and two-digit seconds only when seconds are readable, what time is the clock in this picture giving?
6.19
